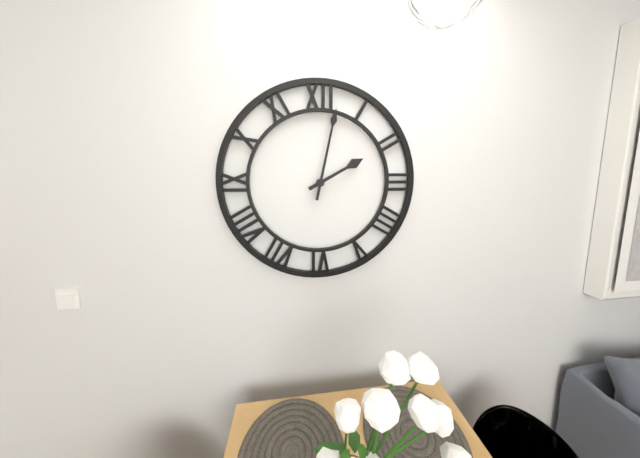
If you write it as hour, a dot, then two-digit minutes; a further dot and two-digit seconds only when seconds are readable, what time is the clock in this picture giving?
2.02
